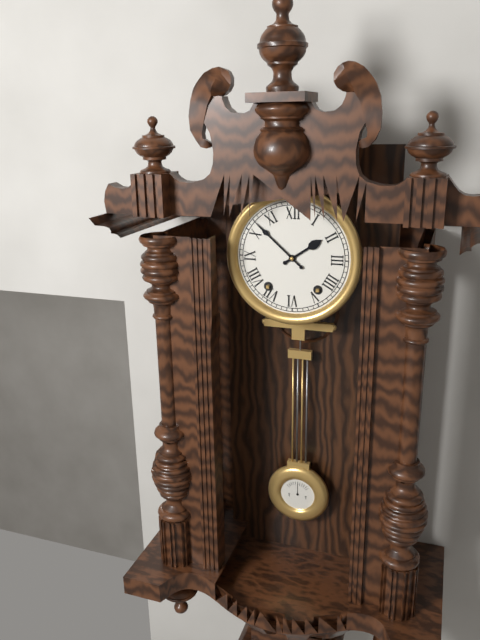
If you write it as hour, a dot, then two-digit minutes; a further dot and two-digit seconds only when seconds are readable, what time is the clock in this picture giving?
1.52
